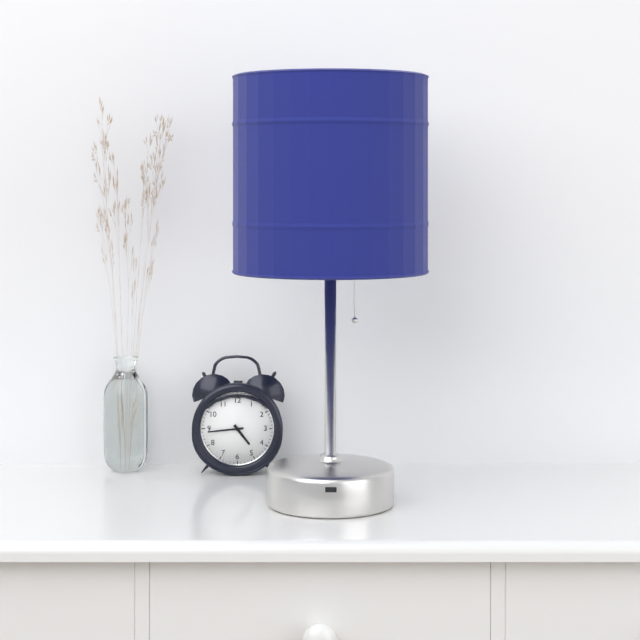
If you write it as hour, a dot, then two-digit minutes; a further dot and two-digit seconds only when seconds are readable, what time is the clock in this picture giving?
4.44
